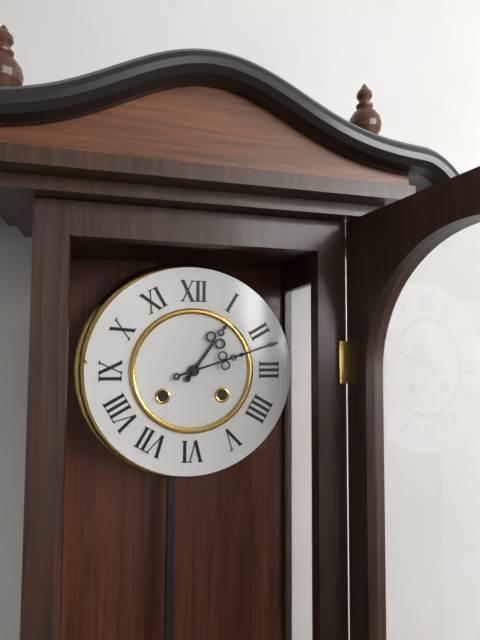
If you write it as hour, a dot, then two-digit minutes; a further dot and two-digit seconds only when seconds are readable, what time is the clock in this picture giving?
1.12
